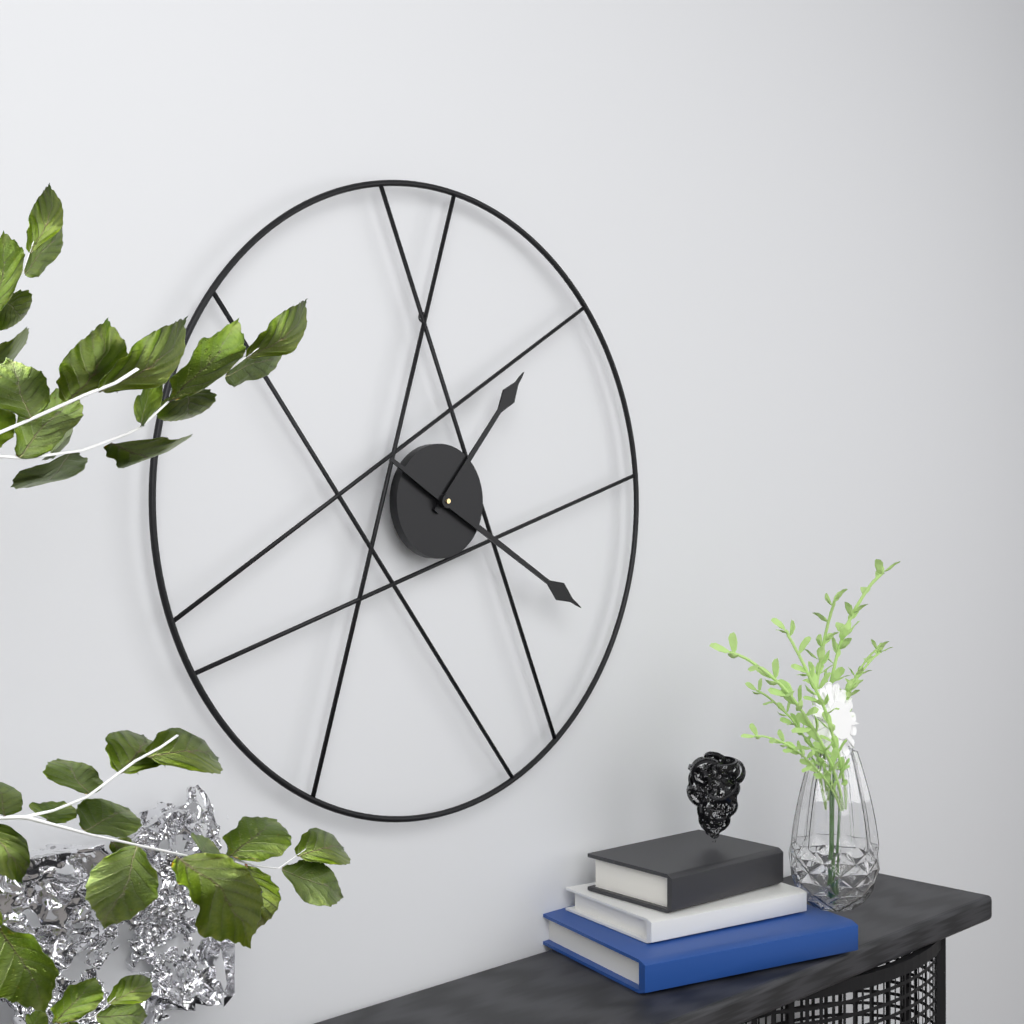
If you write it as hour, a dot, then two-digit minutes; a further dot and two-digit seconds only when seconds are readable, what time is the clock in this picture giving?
1.20
